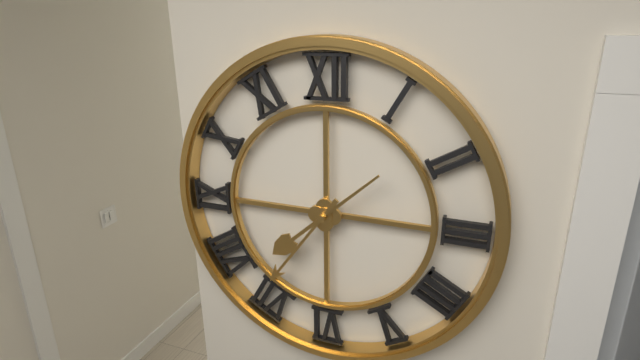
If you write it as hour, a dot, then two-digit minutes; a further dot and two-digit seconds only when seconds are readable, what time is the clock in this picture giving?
7.36
